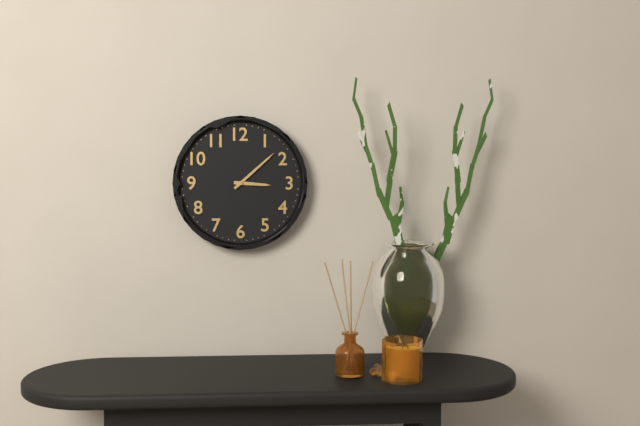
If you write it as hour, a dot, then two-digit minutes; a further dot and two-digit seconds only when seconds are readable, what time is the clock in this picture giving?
3.08
